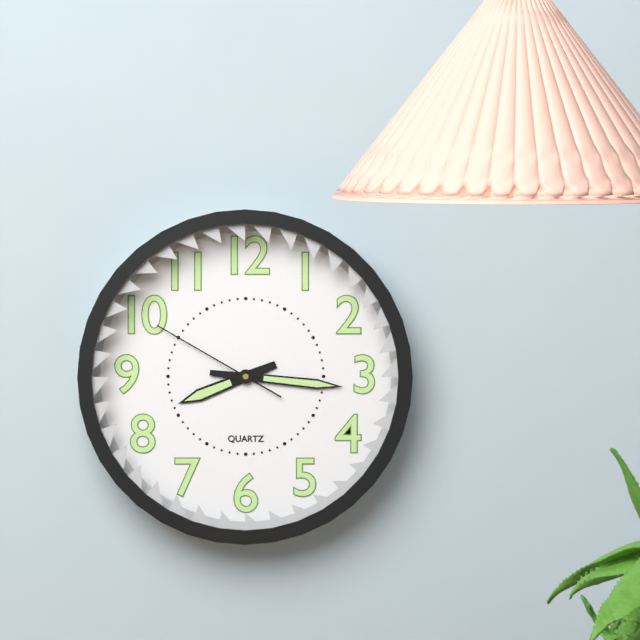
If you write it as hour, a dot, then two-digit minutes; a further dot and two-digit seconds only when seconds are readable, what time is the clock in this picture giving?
8.16.50
